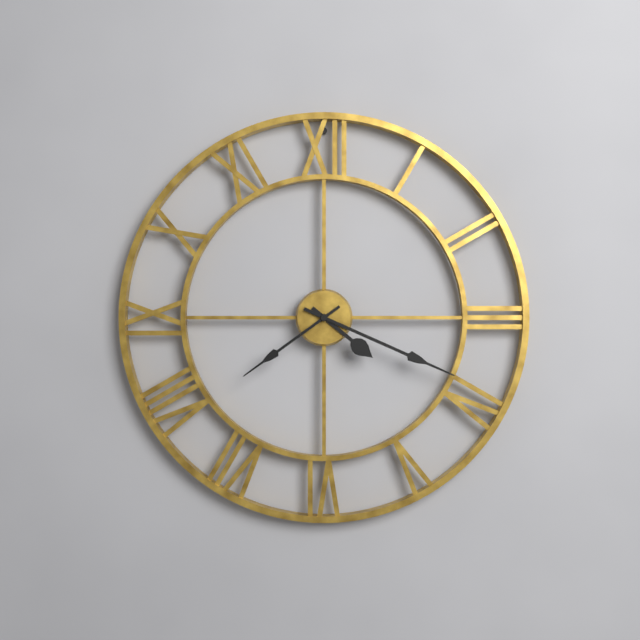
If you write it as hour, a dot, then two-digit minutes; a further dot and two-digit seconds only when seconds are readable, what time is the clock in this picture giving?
4.19.39
